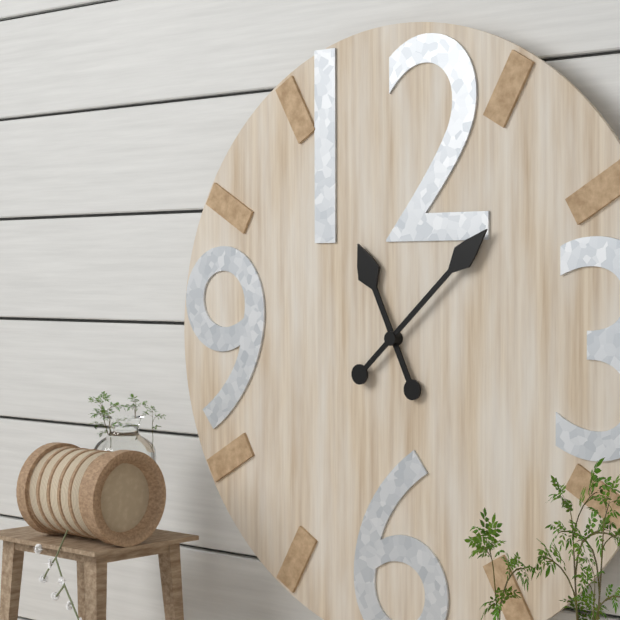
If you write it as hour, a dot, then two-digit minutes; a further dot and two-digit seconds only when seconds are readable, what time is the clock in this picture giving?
11.08
